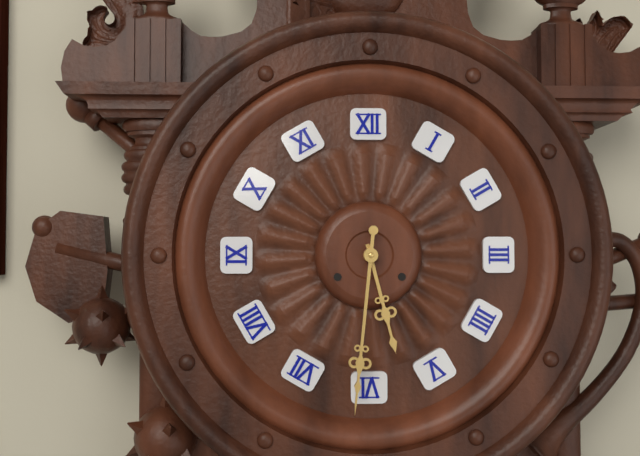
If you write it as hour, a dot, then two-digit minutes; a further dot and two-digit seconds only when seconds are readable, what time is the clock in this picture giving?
5.31
